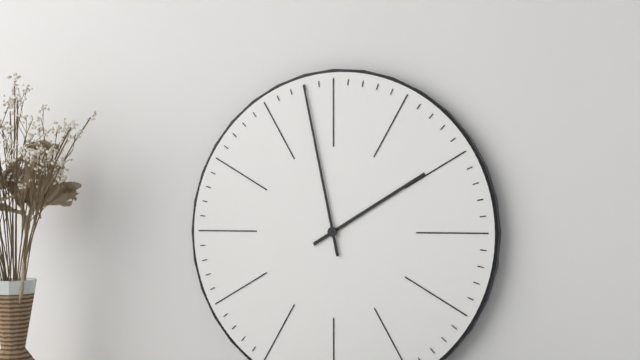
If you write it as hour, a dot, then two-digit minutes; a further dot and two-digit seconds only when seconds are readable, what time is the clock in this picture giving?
1.58
